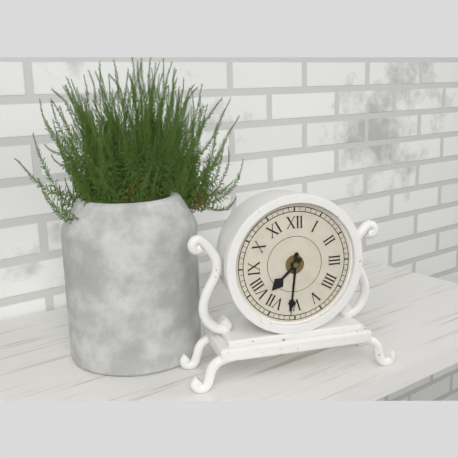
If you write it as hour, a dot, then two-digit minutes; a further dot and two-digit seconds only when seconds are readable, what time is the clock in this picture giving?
7.31
